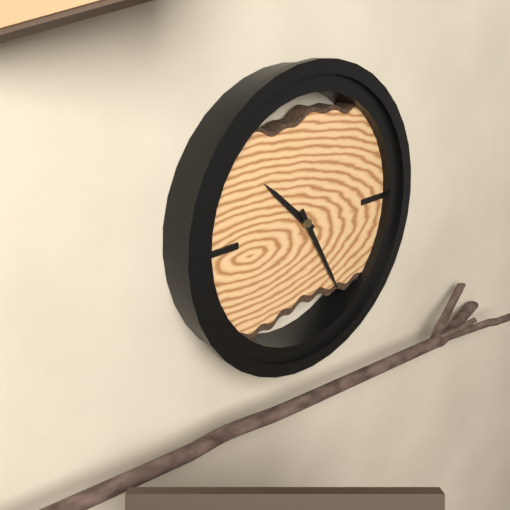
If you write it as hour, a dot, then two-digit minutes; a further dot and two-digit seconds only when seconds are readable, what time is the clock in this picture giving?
10.25
